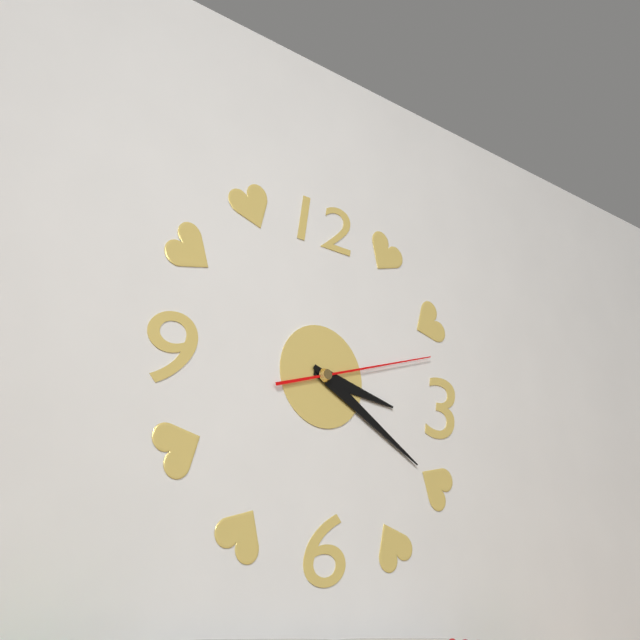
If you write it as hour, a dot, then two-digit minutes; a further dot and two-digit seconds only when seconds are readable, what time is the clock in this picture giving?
3.20.12
